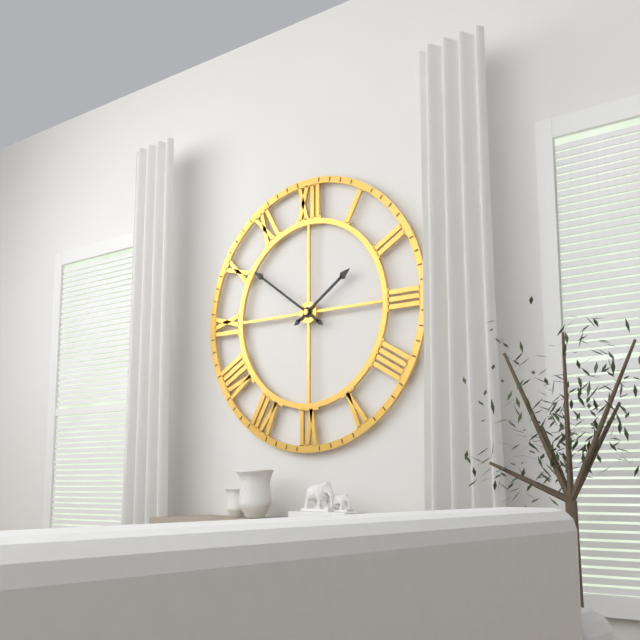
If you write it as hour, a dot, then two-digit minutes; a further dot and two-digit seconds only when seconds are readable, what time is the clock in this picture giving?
1.51
